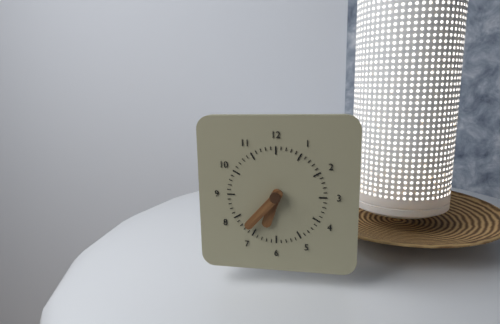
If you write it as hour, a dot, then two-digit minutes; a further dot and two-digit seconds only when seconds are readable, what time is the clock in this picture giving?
6.37
